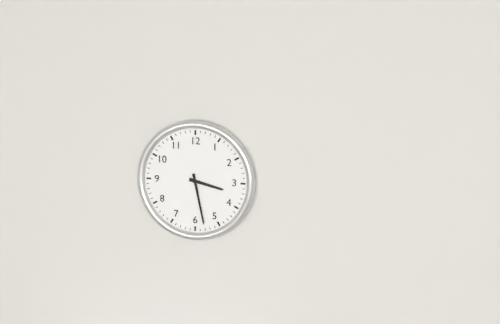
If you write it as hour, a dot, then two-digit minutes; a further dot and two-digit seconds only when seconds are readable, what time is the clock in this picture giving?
3.28
